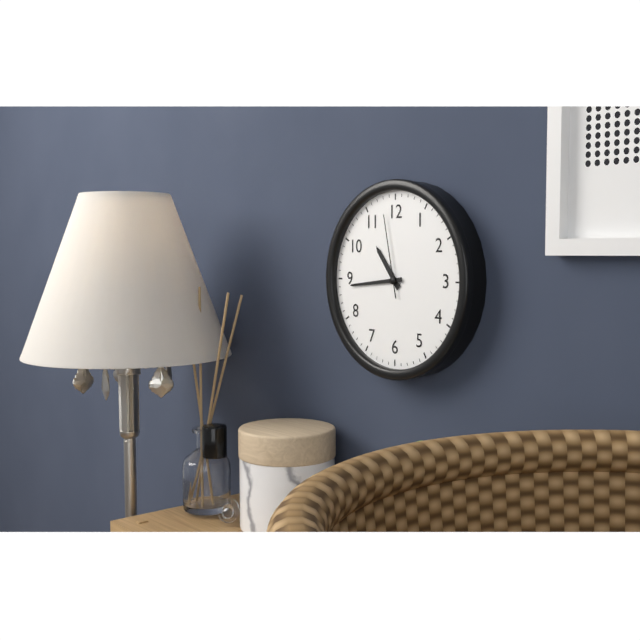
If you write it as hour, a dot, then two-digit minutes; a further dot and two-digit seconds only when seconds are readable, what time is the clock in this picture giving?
10.44.58
